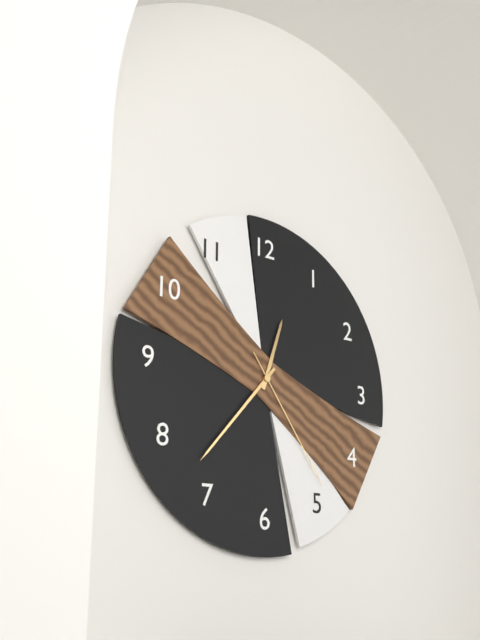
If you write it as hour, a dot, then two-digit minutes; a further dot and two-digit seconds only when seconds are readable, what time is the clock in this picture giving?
12.37.24
